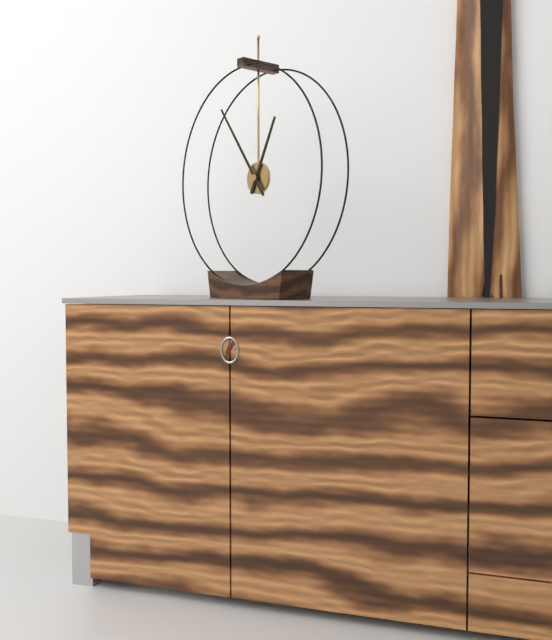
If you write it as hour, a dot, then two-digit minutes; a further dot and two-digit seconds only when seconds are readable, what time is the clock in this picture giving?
12.54
